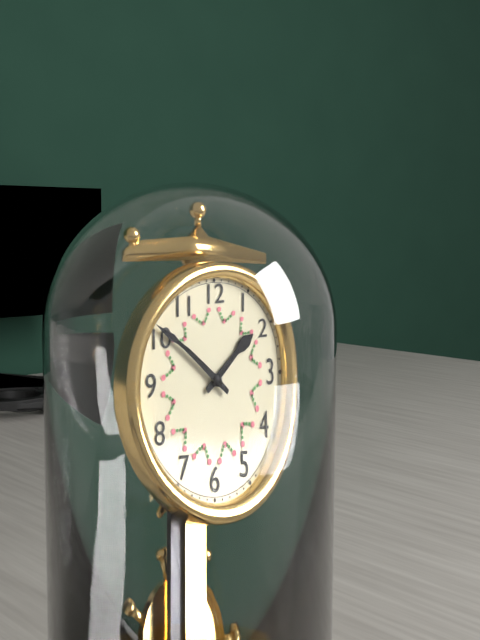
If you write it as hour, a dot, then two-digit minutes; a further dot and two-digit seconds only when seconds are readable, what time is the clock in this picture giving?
1.51
